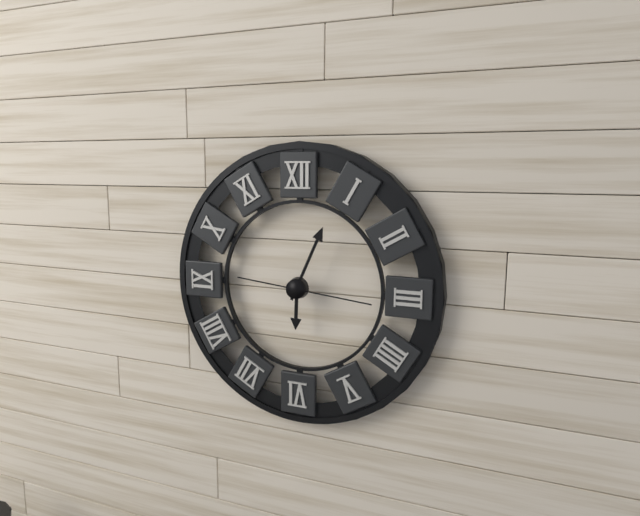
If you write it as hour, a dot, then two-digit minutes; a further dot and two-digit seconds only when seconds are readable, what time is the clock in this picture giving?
6.04.16
